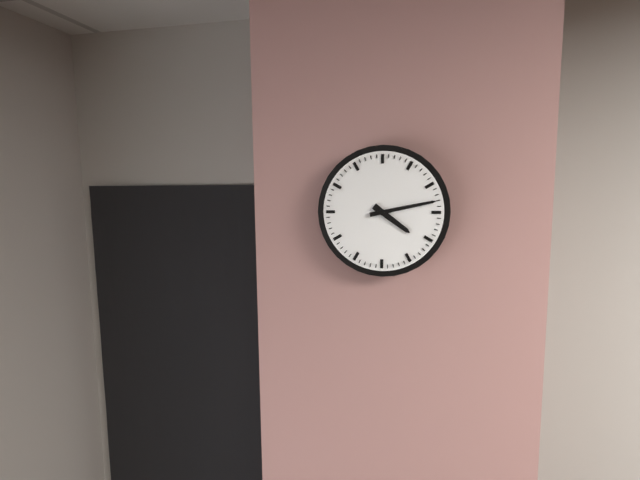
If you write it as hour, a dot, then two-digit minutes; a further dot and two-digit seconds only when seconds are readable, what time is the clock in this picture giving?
4.13
